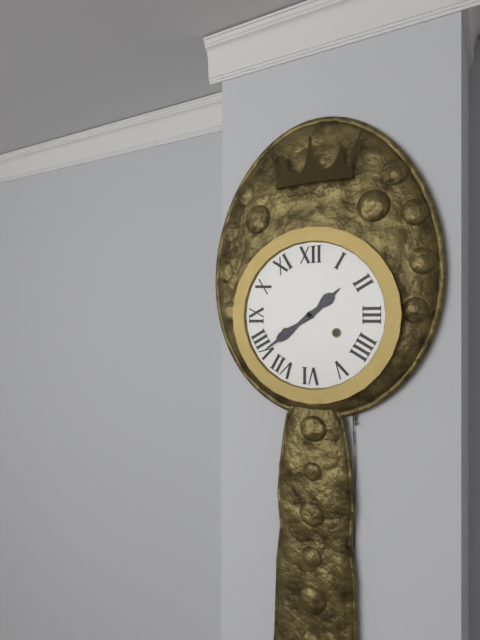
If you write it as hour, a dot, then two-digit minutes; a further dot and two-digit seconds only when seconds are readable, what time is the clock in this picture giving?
1.39
